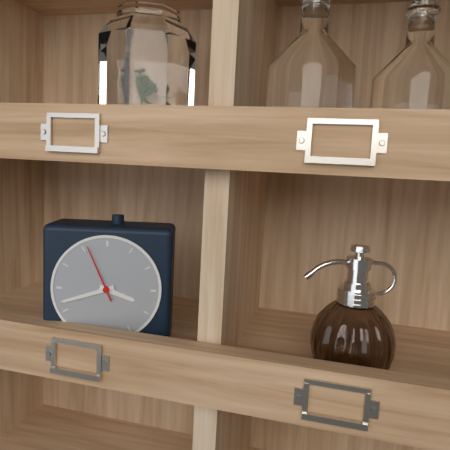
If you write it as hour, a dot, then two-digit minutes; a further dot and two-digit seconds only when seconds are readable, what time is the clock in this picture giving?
3.42.56
